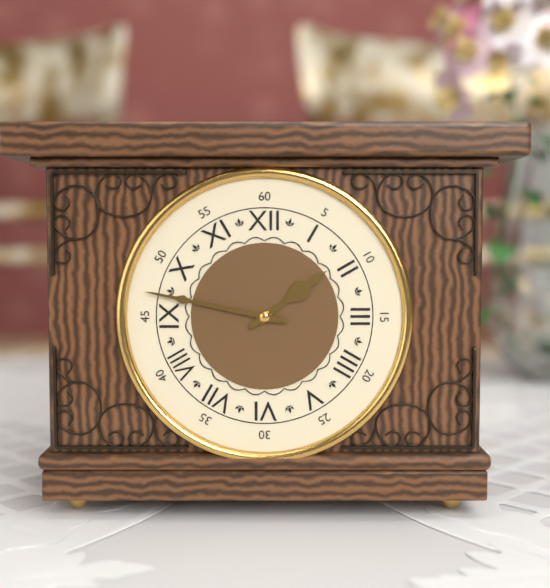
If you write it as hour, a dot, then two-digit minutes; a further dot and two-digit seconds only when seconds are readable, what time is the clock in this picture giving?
1.47
